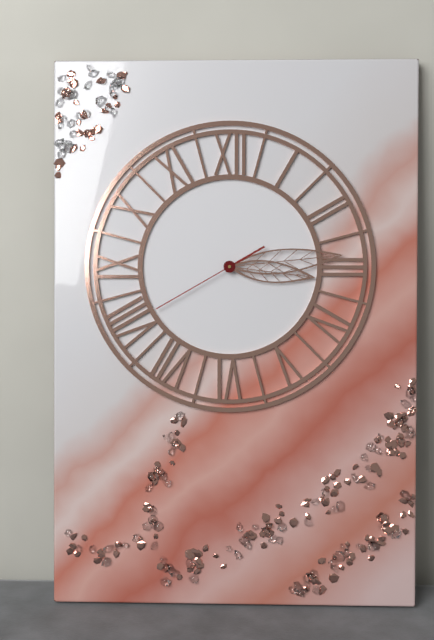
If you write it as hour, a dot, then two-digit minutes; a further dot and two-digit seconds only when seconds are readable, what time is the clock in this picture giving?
3.14.40
